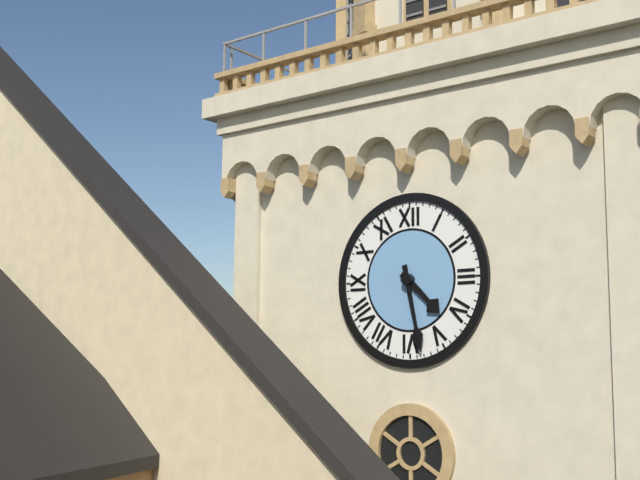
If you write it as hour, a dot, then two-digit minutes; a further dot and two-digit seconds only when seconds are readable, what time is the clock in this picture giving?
4.28
